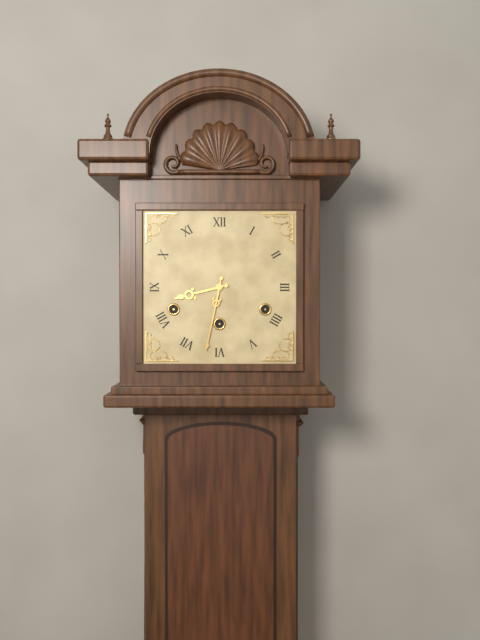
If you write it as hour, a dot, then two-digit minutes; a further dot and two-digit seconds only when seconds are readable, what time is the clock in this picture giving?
8.32
